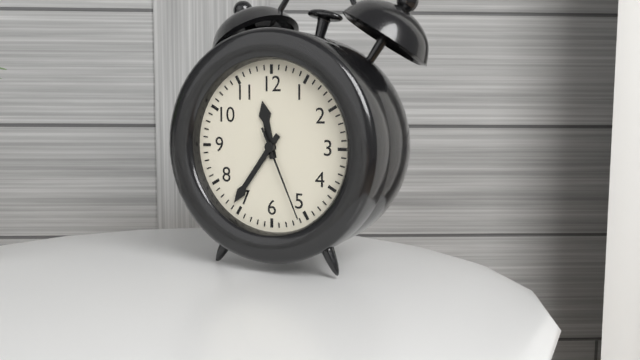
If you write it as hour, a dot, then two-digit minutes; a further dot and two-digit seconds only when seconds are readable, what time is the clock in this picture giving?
11.36.26
